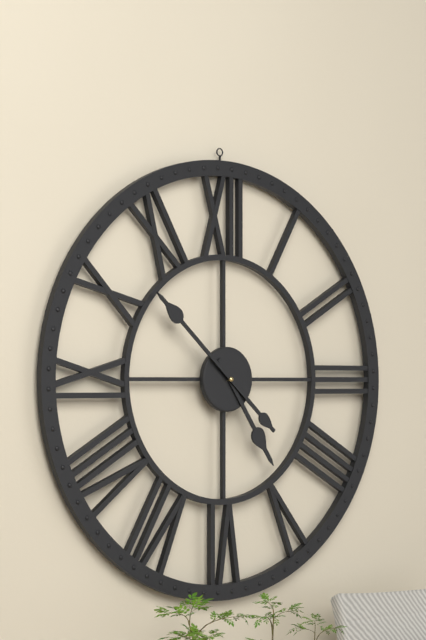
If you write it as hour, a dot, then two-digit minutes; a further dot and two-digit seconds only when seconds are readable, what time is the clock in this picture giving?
4.52
